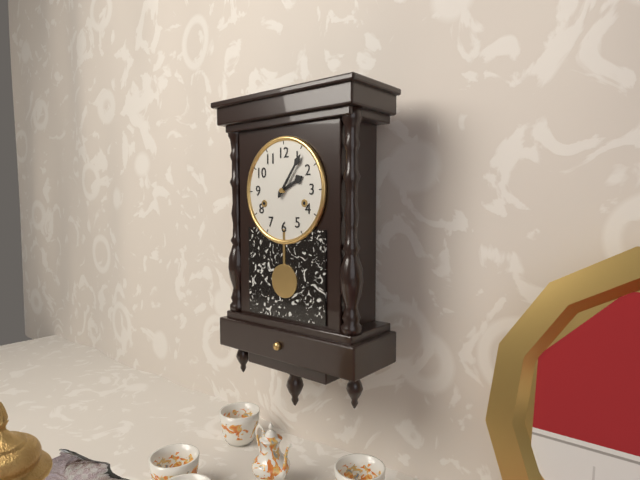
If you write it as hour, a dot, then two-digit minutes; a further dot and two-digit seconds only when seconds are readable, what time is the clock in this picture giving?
2.06
